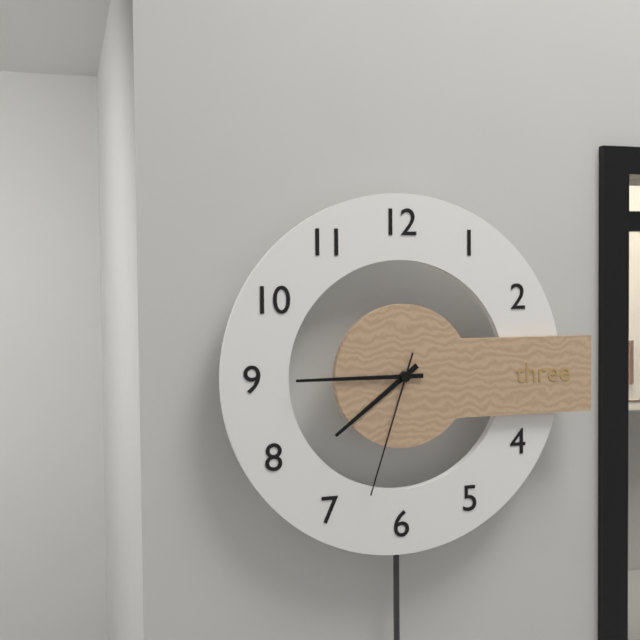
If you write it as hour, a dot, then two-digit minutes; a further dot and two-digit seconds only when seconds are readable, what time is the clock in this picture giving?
7.45.33
